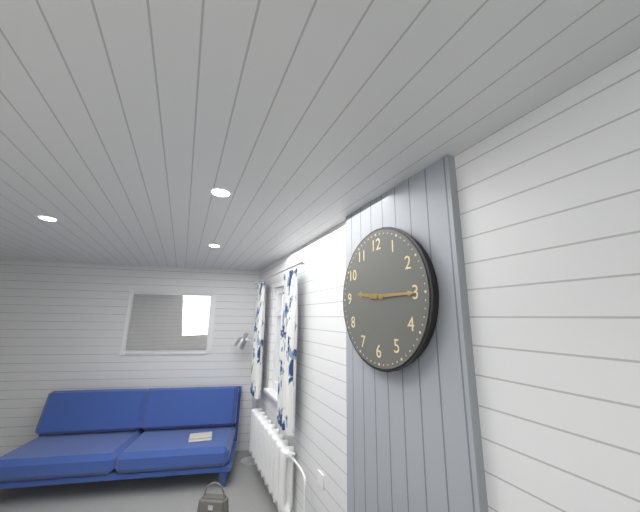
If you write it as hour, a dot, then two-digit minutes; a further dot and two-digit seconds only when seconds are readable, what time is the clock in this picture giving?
9.15
